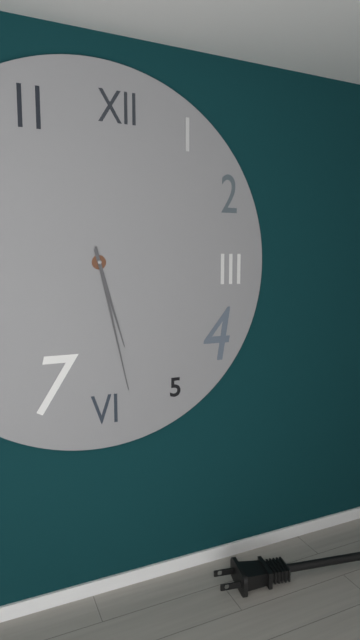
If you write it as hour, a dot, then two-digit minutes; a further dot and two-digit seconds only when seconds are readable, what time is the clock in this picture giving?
5.28
